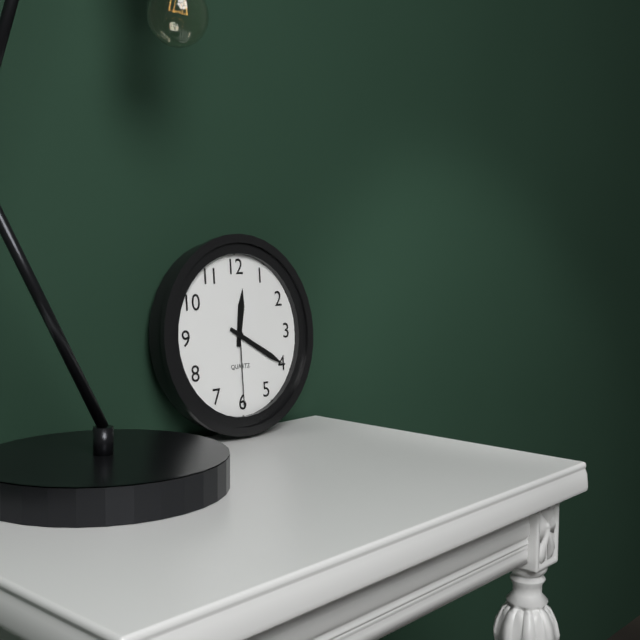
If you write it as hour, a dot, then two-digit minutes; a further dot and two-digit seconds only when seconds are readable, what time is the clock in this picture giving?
12.20.30
